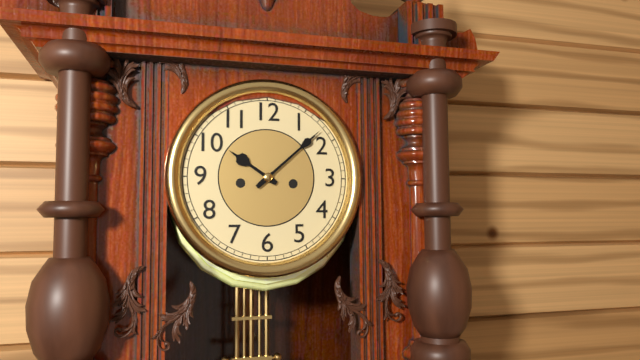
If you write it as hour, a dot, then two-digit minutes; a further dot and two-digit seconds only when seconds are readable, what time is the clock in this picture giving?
10.08
